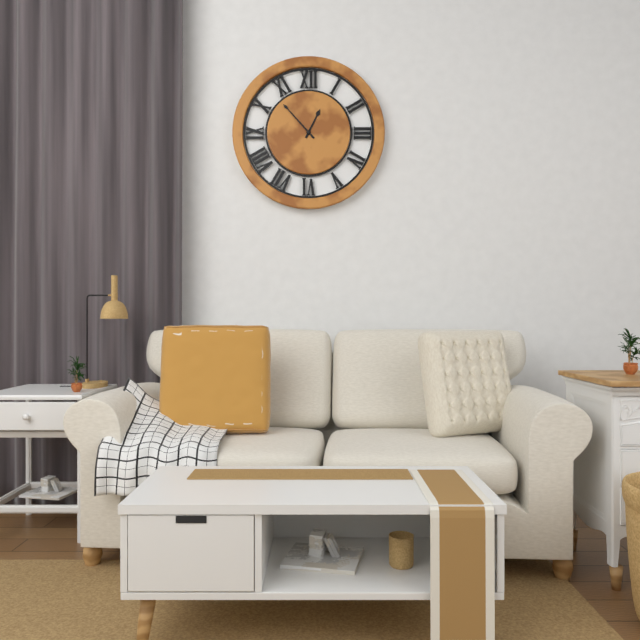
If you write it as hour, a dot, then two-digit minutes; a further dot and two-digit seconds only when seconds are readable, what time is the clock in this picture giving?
12.53
